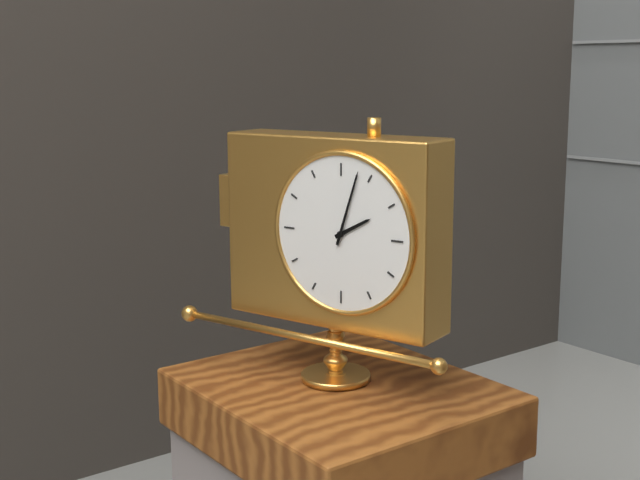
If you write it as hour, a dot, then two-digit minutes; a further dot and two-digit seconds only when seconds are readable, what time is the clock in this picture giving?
2.03
